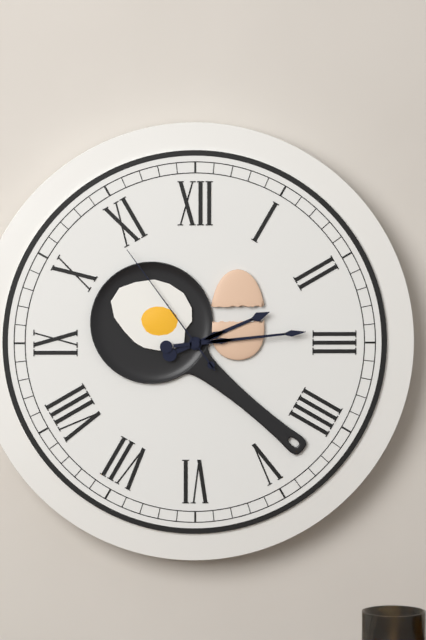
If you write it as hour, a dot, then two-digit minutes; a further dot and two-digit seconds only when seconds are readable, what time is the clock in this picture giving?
2.14.54
